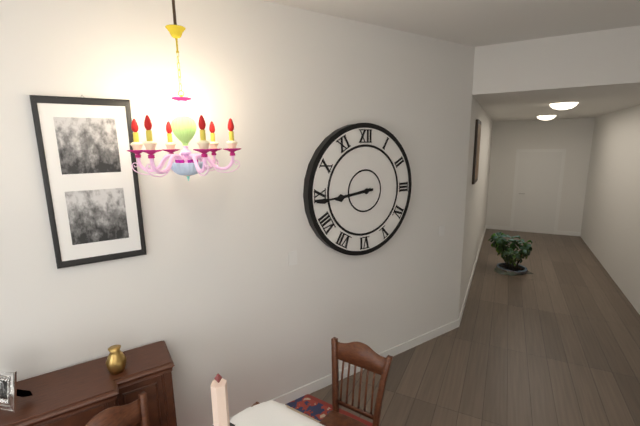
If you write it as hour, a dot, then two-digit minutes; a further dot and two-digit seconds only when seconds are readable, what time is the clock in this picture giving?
8.44
